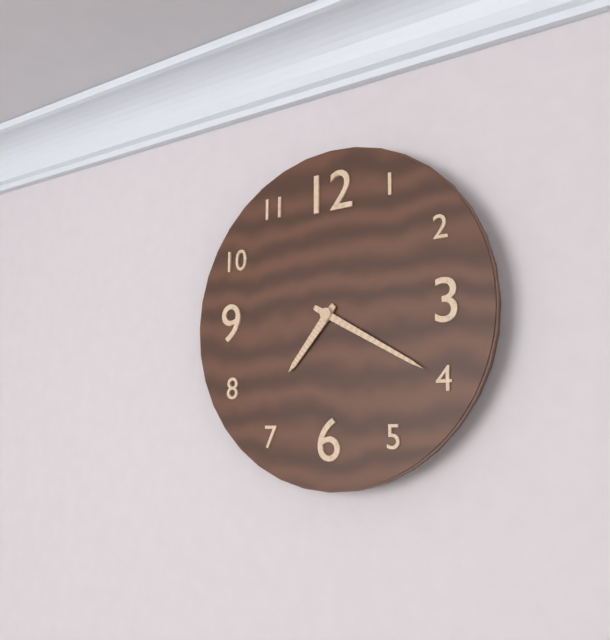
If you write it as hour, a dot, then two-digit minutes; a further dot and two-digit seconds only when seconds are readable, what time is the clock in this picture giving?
7.20
